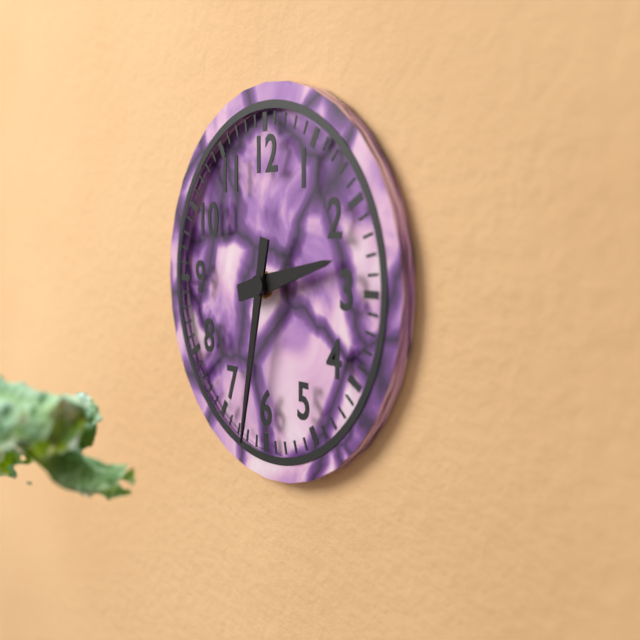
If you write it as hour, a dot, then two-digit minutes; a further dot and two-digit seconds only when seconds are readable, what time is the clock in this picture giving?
2.32
